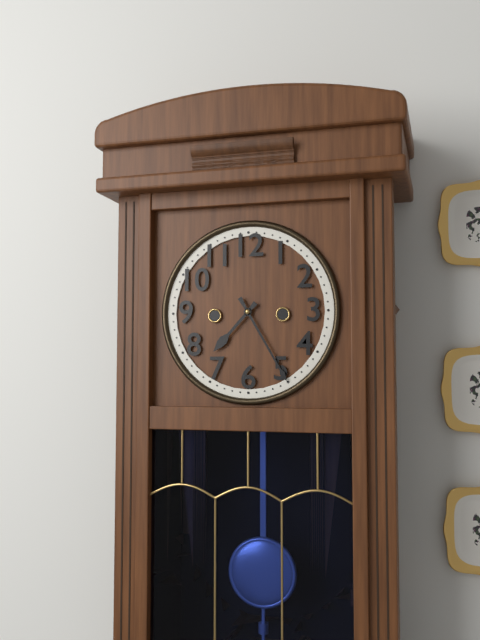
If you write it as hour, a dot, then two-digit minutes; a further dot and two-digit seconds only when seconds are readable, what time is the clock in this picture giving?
7.25
